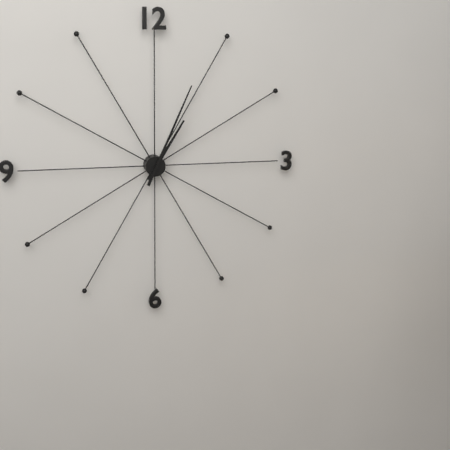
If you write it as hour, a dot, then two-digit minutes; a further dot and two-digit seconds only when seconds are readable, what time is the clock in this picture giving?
1.04
